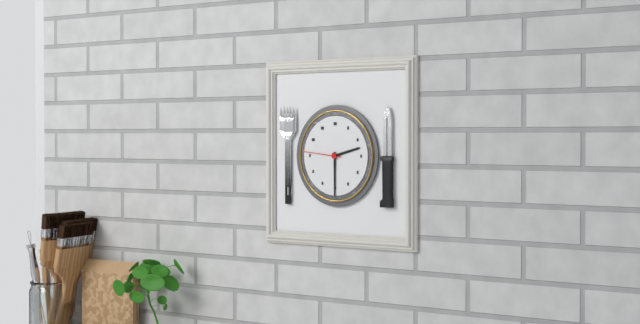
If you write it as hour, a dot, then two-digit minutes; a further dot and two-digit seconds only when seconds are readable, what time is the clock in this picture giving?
2.30
